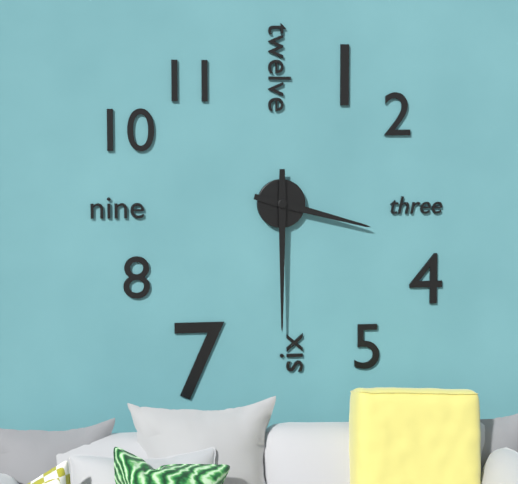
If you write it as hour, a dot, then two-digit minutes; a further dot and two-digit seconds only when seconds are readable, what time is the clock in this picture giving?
3.30
